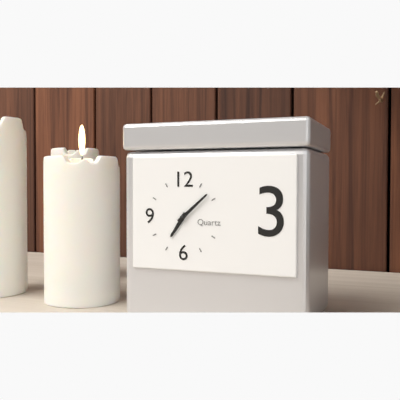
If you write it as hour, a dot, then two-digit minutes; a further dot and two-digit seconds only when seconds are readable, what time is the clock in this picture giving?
7.08
